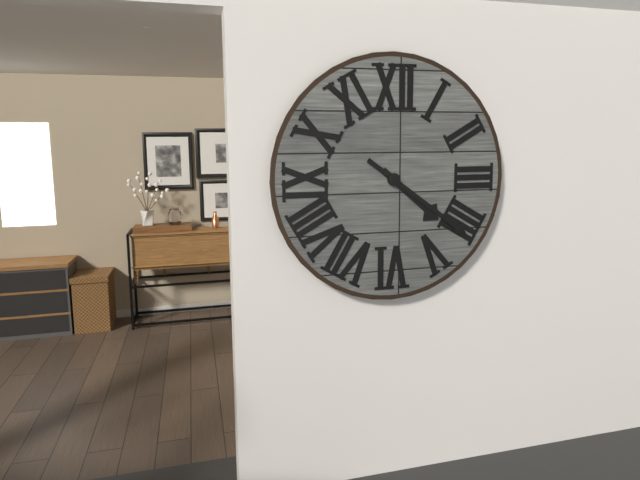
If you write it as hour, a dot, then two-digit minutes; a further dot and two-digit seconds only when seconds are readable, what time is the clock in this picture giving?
4.21
